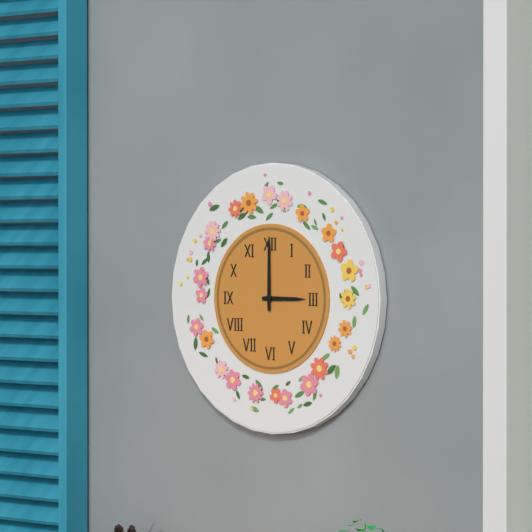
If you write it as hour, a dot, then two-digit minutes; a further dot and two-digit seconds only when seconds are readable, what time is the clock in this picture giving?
3.00
